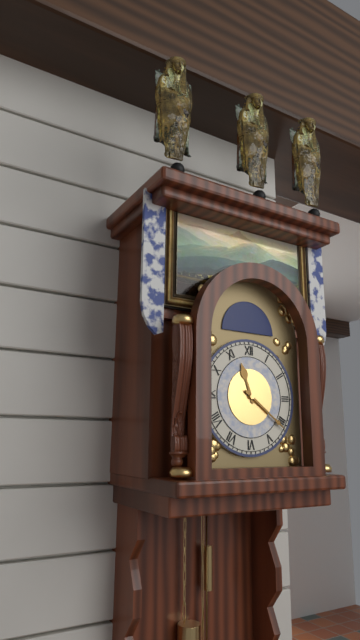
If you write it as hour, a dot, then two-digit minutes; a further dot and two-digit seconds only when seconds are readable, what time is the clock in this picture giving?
11.21
